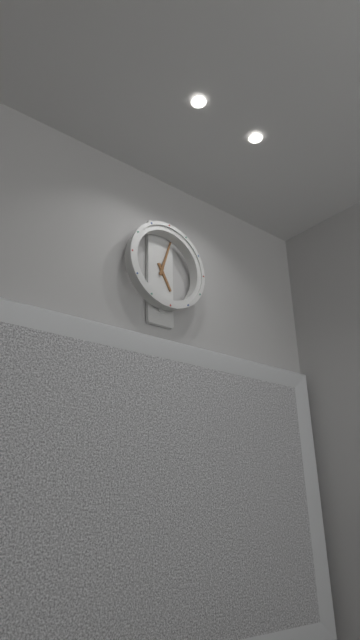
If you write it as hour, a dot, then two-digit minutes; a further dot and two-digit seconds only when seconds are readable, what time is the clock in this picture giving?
5.03
